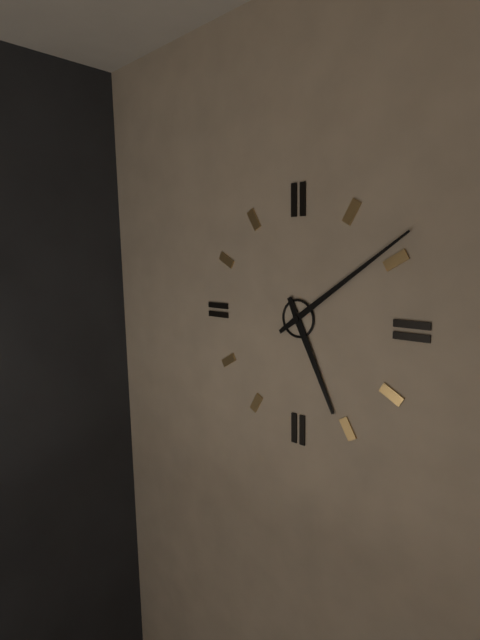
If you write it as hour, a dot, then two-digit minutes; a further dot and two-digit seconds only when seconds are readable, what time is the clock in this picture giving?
5.09
